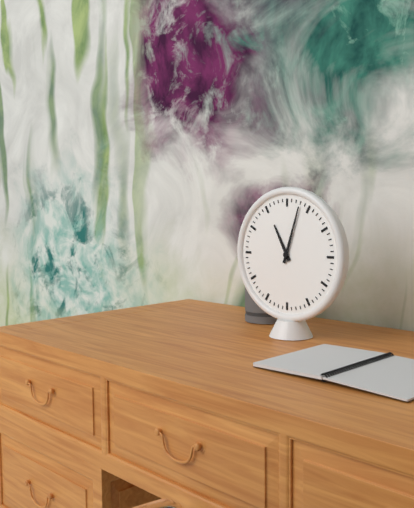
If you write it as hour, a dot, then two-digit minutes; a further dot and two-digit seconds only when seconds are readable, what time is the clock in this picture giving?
11.03
